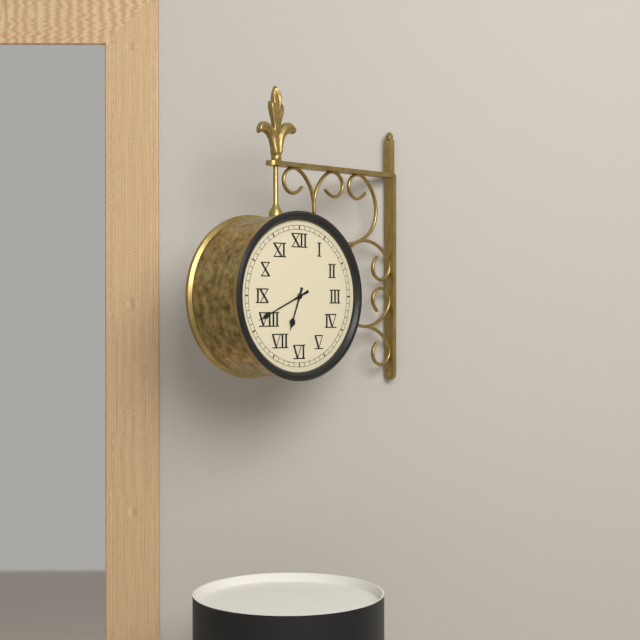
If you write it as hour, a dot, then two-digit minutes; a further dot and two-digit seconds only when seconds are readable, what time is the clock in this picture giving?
6.41
